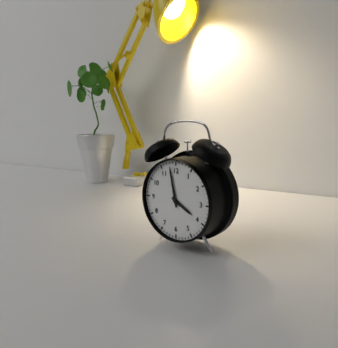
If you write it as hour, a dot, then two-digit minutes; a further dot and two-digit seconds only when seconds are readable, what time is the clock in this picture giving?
3.58
